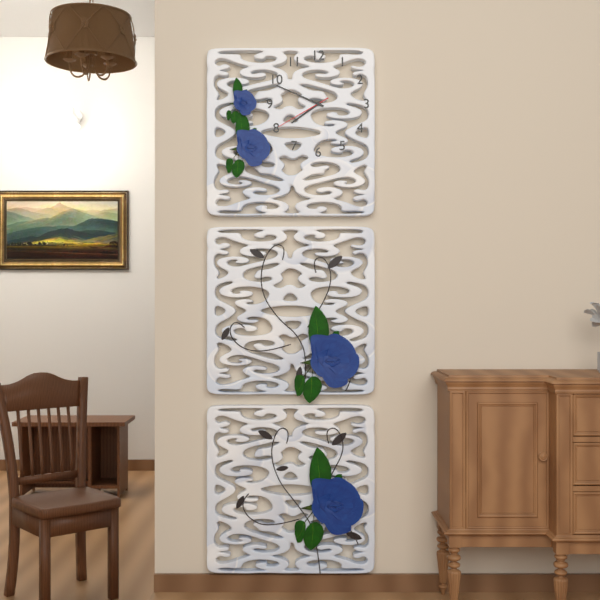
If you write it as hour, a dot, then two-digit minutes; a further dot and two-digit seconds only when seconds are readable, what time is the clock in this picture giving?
7.49.40
